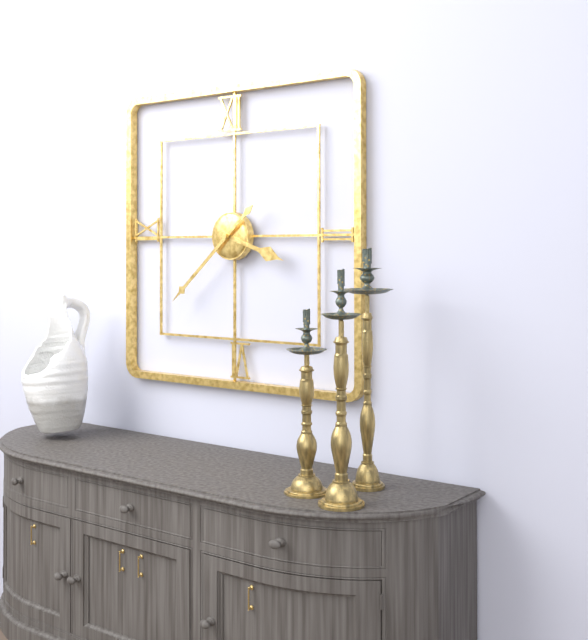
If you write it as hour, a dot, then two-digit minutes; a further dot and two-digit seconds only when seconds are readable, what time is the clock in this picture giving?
3.38
